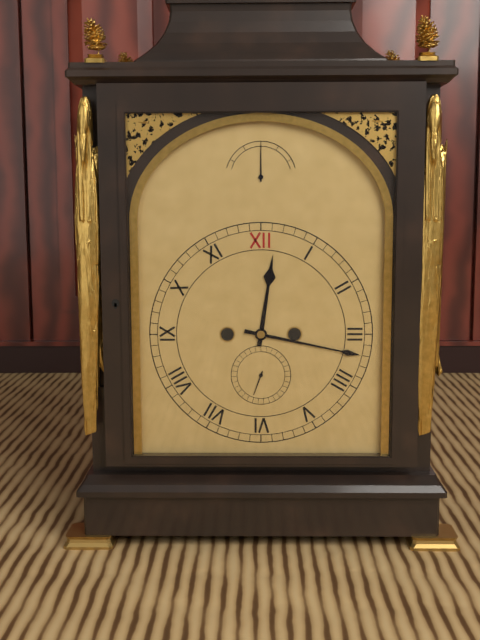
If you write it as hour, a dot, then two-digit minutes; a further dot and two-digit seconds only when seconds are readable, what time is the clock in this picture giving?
12.17
